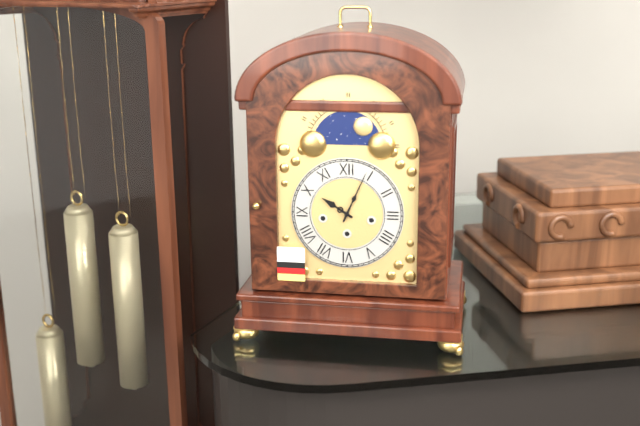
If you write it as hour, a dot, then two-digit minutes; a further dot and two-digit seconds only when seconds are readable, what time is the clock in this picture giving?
10.04
